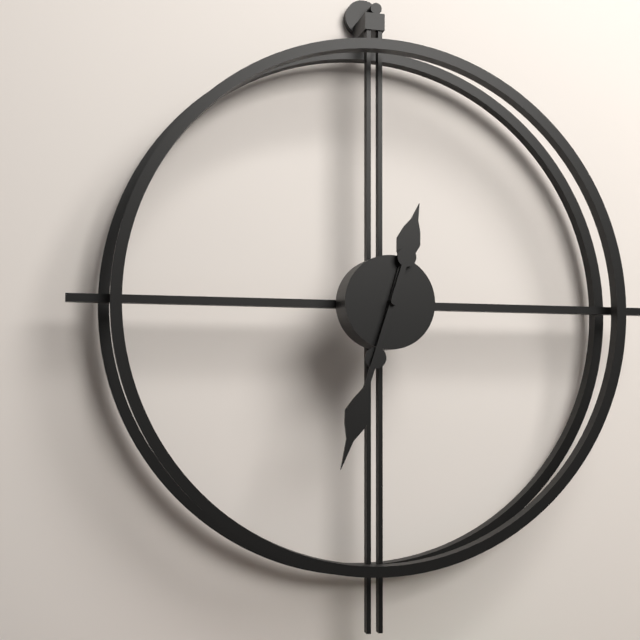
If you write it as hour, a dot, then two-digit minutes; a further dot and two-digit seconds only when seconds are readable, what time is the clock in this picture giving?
12.33
